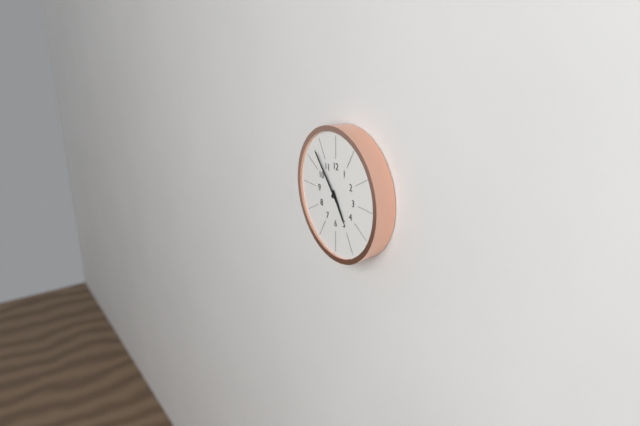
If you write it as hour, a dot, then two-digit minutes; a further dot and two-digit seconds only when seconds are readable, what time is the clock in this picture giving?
4.53
